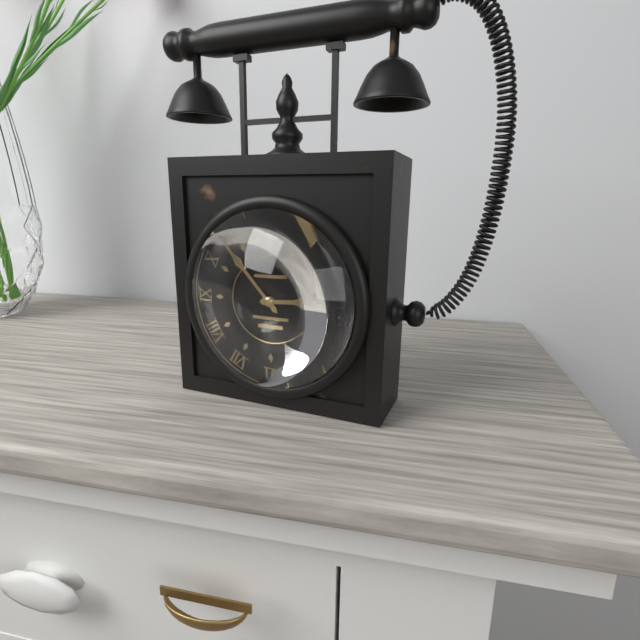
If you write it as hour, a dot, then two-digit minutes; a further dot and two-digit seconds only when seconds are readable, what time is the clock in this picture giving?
2.53
